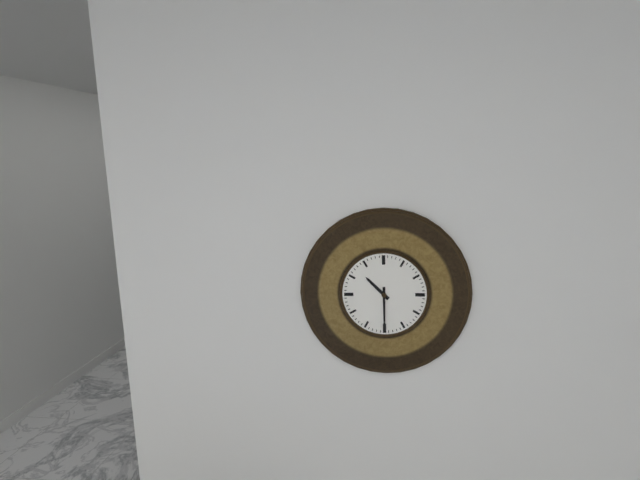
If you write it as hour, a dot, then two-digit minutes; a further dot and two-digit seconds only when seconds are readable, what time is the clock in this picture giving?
10.30
